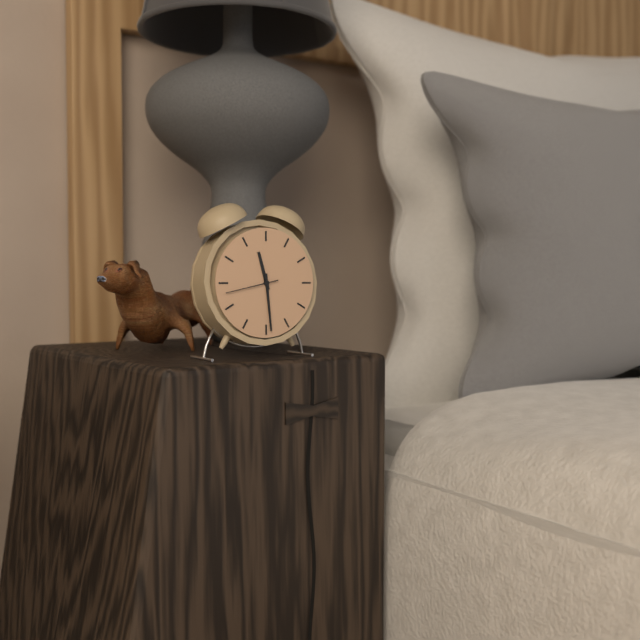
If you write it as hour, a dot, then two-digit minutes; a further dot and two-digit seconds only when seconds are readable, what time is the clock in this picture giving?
11.29.43
